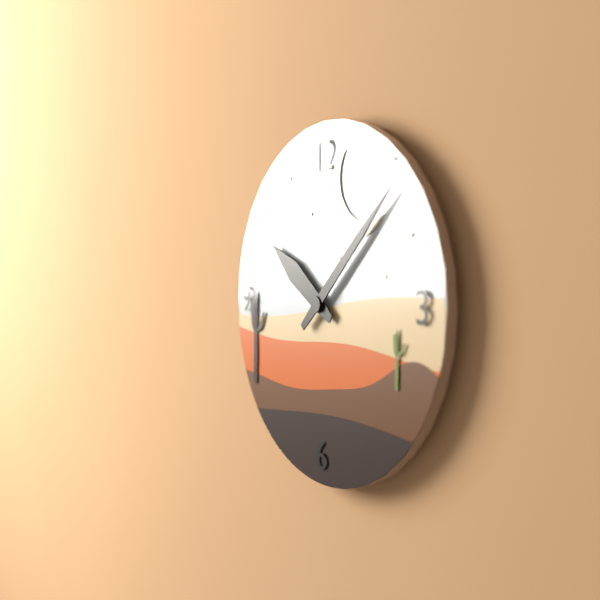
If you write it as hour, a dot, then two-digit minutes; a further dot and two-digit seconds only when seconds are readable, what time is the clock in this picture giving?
10.08
